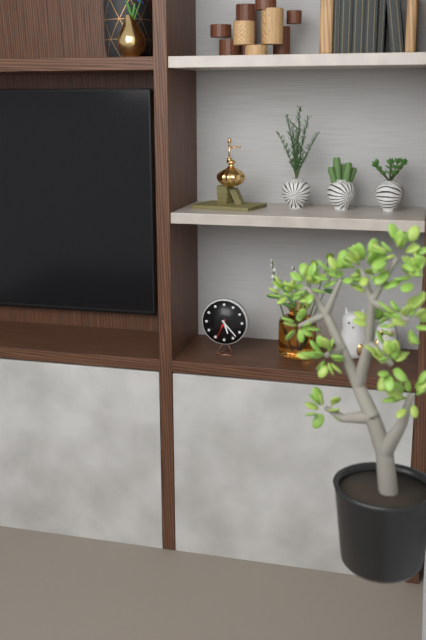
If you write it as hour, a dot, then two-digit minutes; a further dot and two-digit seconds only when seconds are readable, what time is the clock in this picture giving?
5.23
